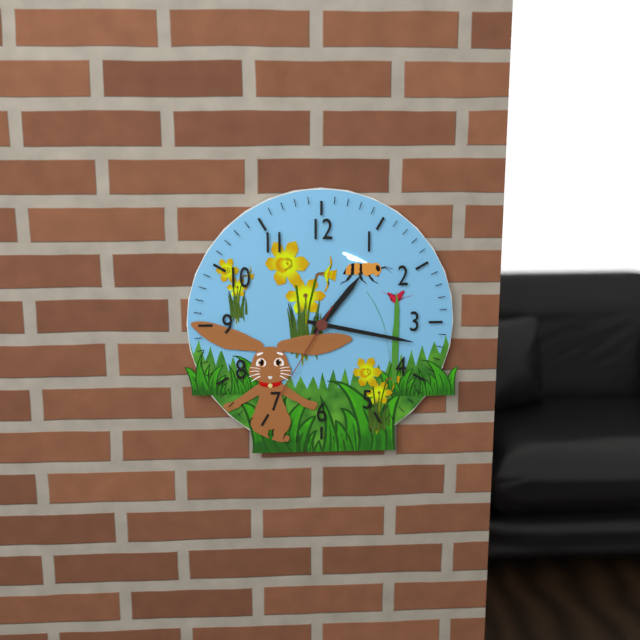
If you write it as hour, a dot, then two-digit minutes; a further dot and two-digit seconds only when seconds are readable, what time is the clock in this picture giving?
1.17.35
